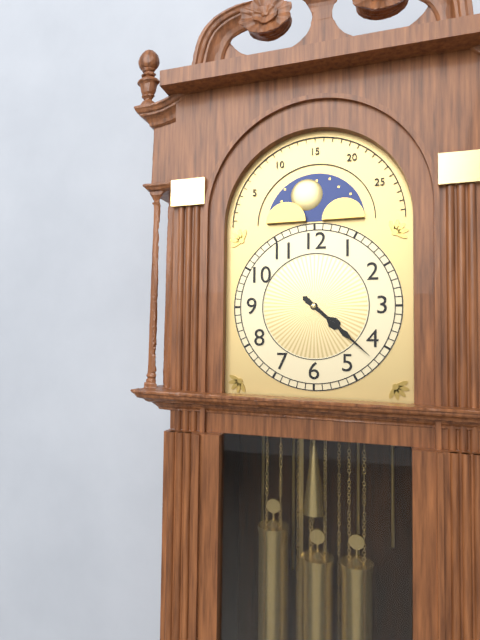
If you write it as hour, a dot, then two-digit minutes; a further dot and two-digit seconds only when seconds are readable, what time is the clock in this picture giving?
4.22
